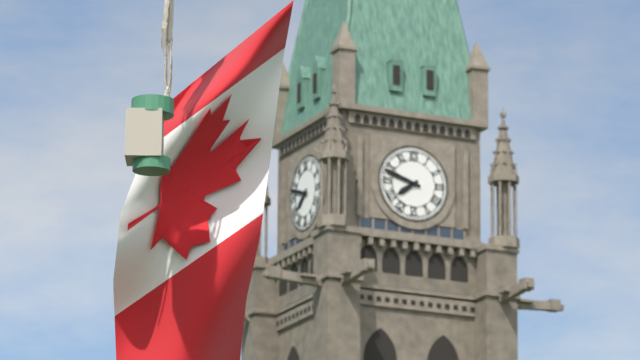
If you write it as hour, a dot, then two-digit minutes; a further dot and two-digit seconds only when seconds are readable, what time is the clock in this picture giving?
7.48
